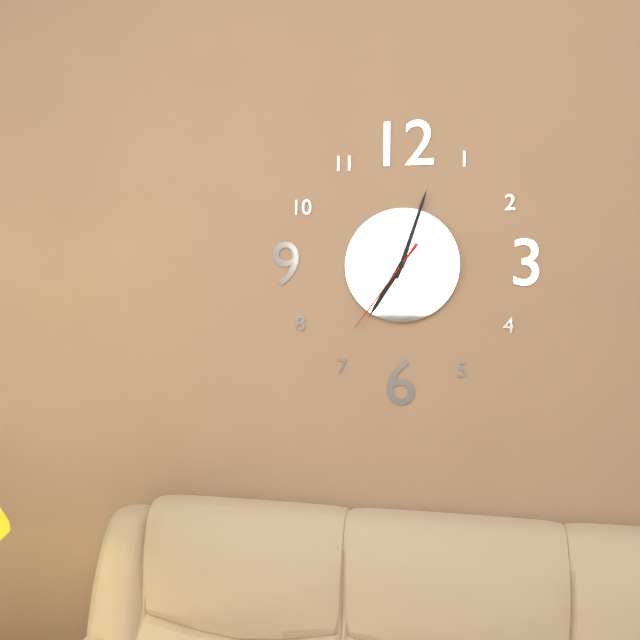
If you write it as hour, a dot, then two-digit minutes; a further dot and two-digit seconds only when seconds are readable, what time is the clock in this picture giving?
7.03.36
